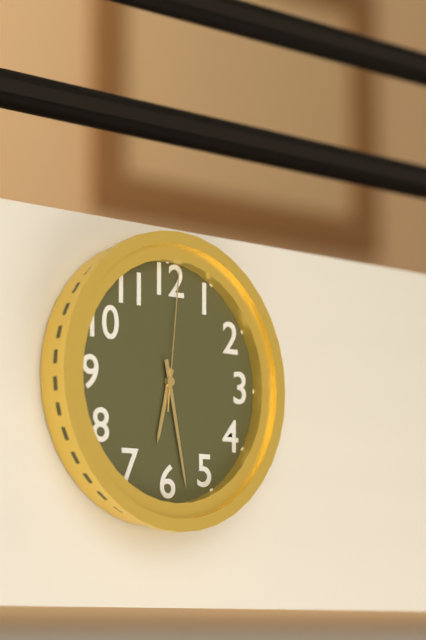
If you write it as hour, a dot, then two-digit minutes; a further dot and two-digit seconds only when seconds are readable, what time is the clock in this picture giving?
6.28.01
